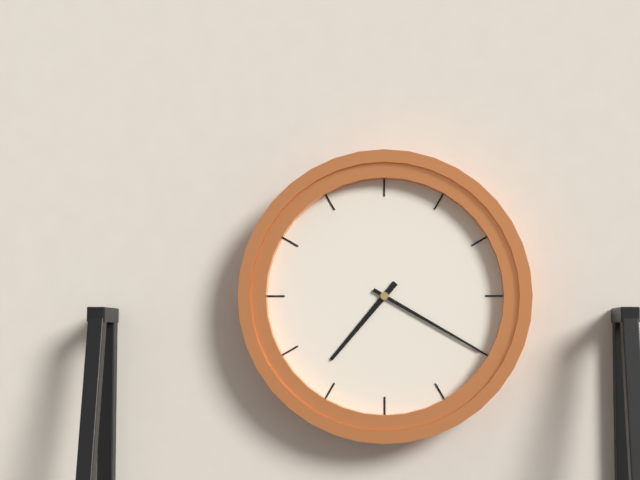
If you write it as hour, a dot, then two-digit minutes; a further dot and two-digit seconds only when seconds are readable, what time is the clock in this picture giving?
7.20
